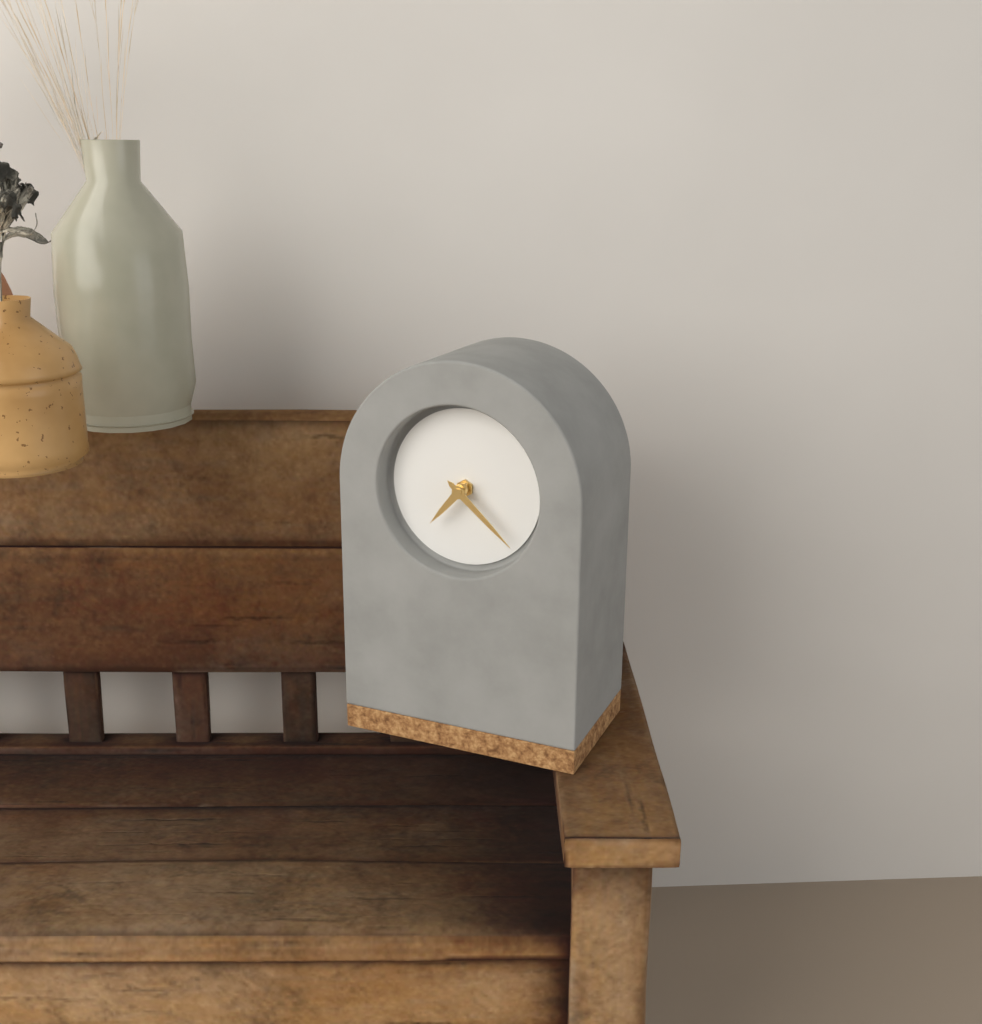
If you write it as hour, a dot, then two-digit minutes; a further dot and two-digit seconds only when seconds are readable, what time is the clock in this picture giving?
7.22
